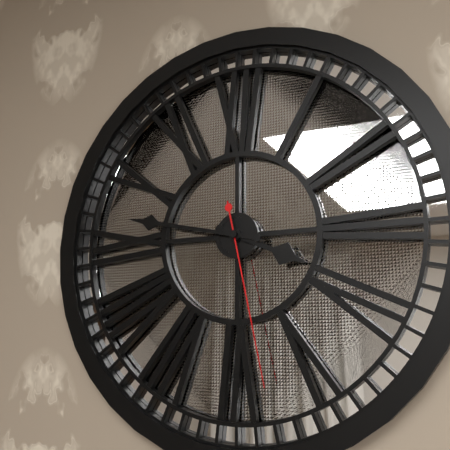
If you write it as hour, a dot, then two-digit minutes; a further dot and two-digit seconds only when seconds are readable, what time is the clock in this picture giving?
3.47.28
